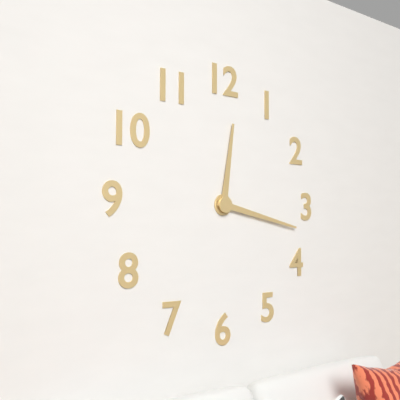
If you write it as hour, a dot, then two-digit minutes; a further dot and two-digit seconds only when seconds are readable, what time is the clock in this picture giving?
12.17
